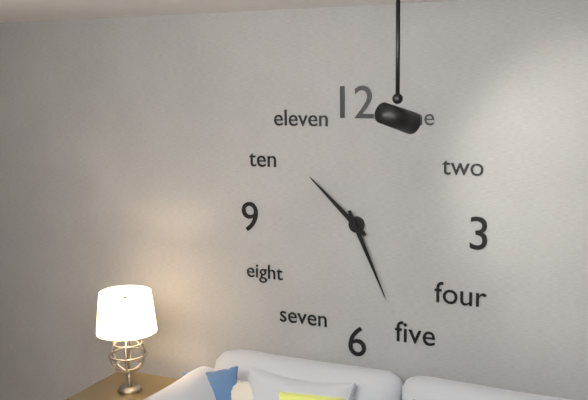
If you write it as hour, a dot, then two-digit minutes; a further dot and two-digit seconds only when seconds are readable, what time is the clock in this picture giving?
10.26
